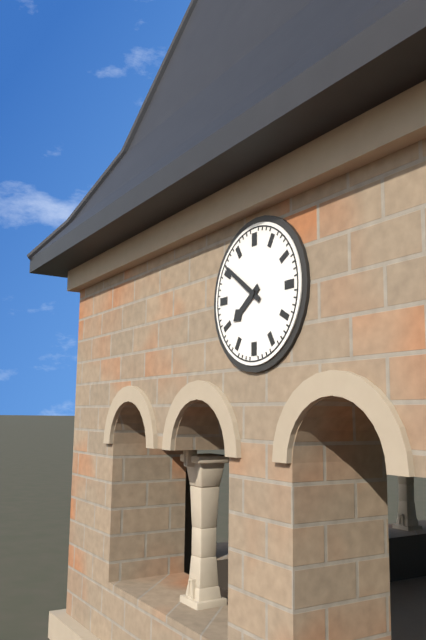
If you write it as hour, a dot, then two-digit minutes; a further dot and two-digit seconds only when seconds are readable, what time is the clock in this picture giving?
7.51
